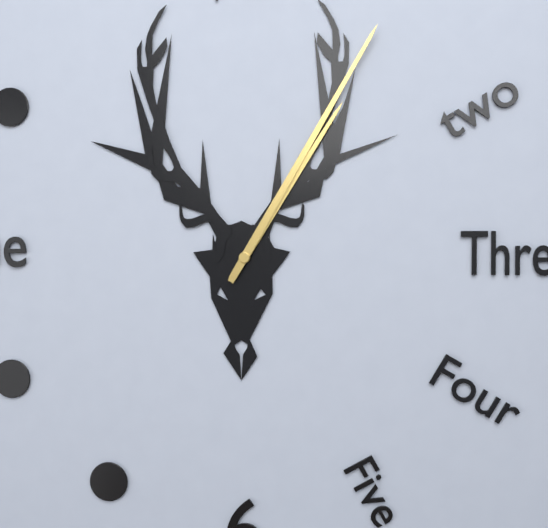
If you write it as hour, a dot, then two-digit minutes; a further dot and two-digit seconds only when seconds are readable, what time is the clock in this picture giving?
1.05
